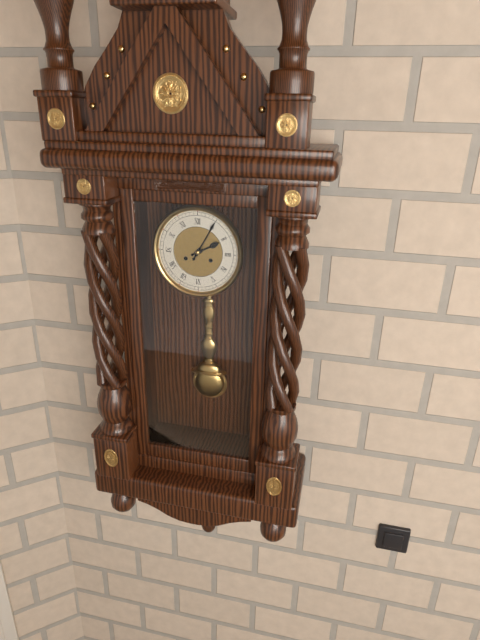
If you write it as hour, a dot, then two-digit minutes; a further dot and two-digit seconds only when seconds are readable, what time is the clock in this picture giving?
2.05
